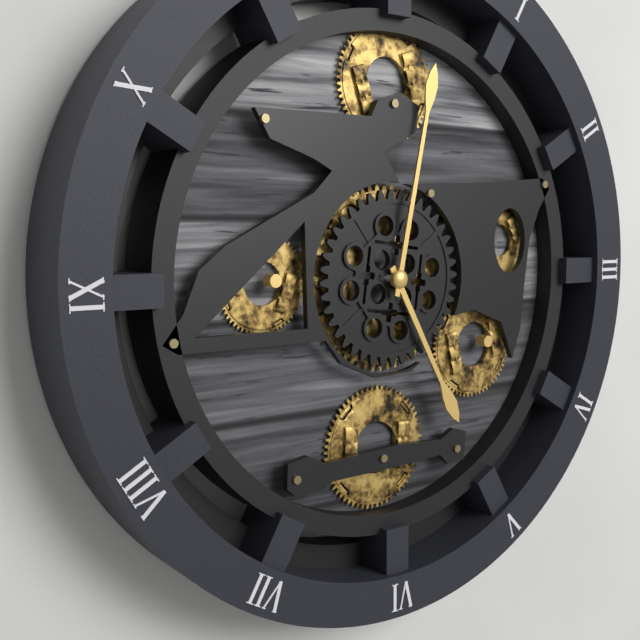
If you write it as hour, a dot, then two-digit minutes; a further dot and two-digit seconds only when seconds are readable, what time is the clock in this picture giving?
5.02
